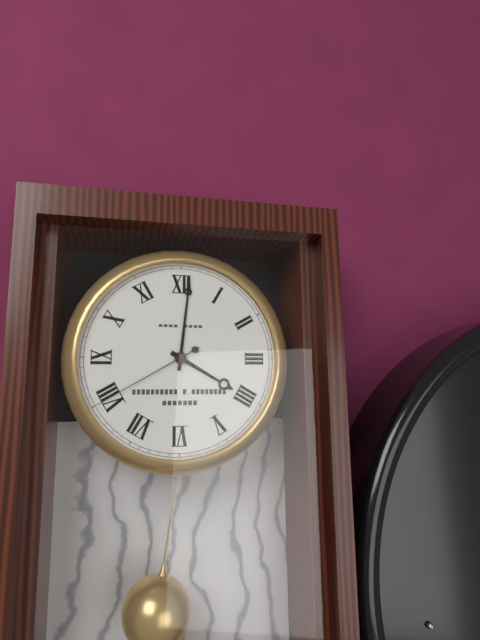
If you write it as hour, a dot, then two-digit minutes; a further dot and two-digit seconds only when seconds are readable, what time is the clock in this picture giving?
4.01.40
